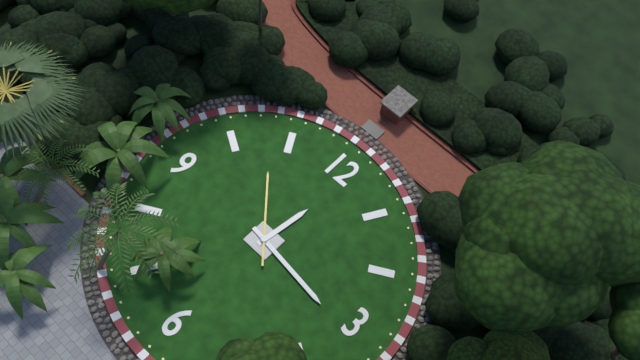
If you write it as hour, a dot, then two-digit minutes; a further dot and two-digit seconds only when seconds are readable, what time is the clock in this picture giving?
12.16.53
